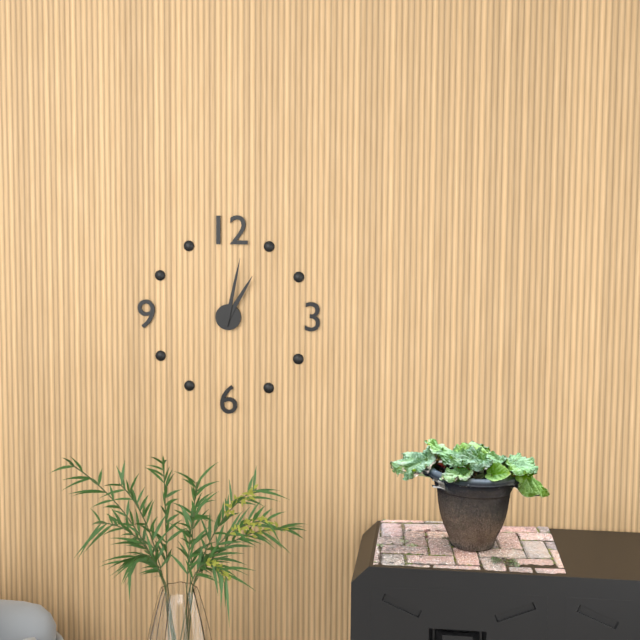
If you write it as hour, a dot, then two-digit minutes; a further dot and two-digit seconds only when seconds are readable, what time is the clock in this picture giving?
1.02
